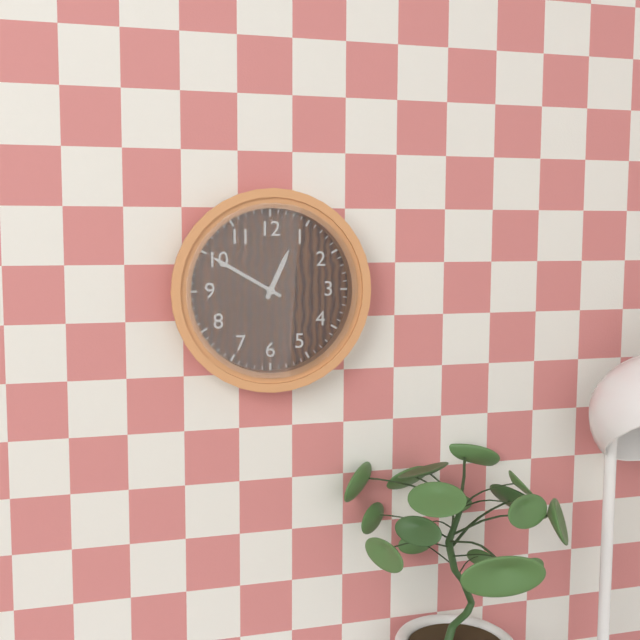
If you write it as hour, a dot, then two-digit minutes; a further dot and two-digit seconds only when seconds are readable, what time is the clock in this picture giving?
12.50
